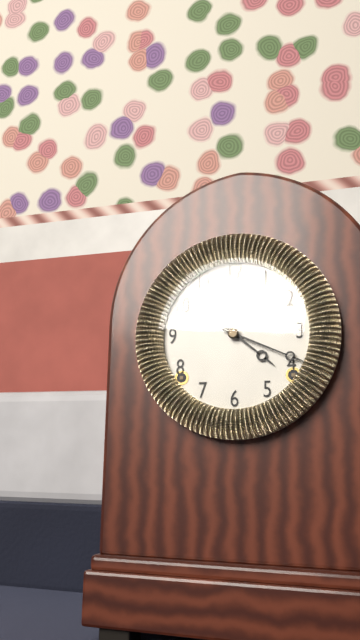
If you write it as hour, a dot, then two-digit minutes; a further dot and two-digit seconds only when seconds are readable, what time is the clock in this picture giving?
4.19
